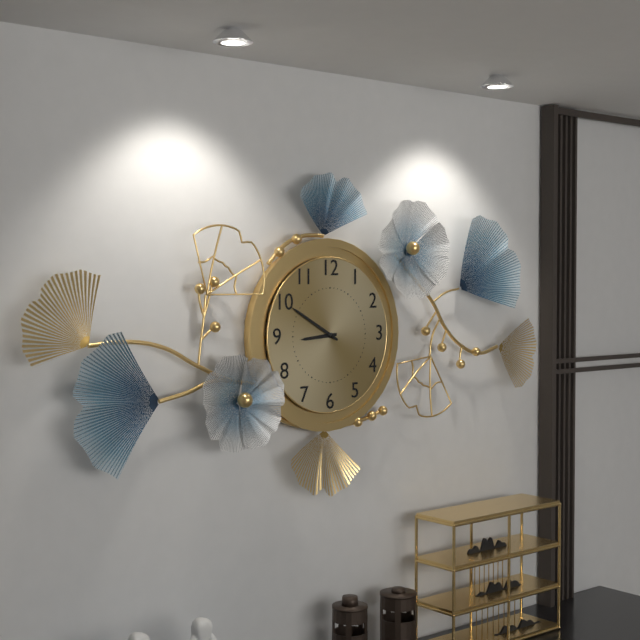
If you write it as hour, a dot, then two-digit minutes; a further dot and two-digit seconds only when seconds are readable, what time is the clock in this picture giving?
8.50
